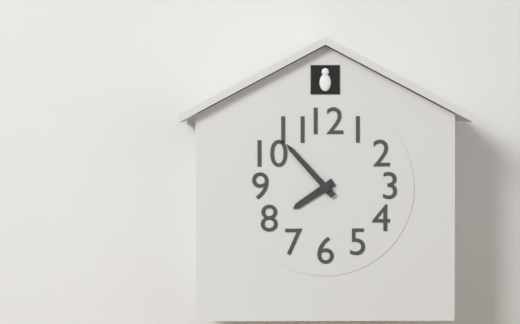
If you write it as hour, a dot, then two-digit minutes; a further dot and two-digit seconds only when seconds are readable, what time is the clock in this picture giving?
7.53
